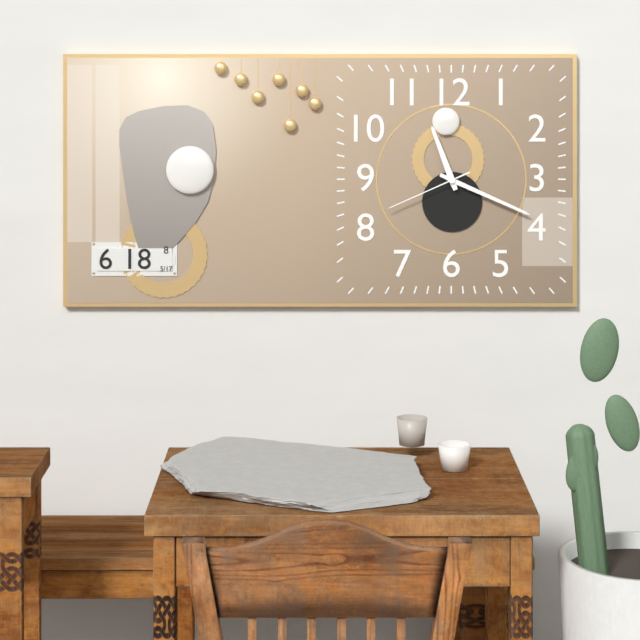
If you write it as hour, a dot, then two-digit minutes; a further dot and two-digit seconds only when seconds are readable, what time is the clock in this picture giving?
11.19.41
